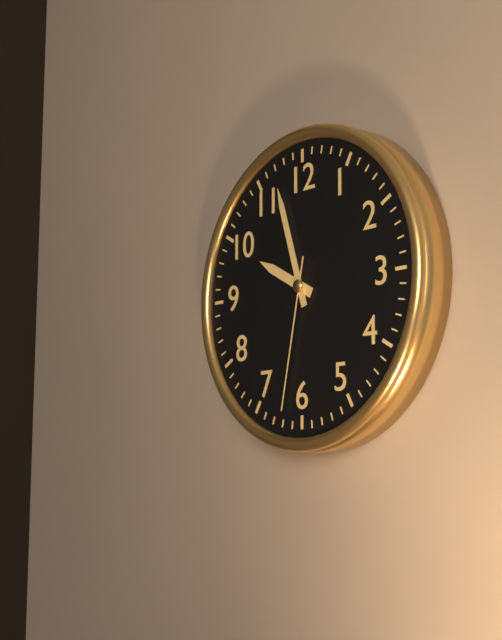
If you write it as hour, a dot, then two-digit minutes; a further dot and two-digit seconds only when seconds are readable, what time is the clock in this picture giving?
9.57.32
